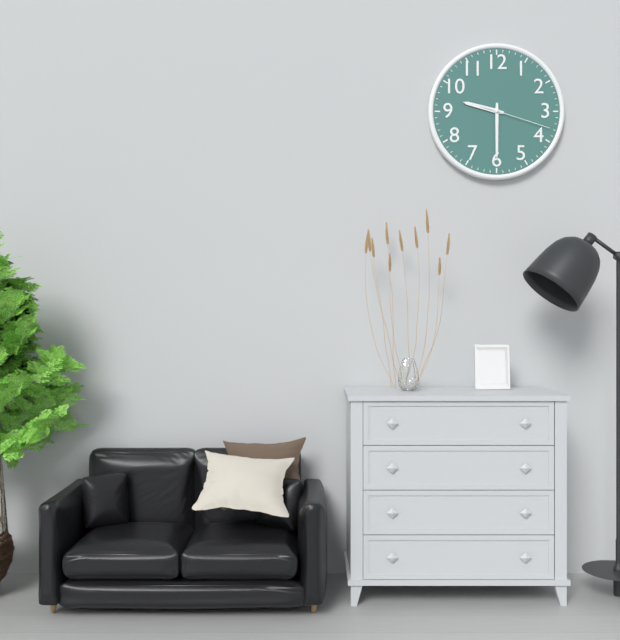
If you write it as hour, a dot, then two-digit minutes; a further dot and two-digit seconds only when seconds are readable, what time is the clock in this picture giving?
9.30.18
